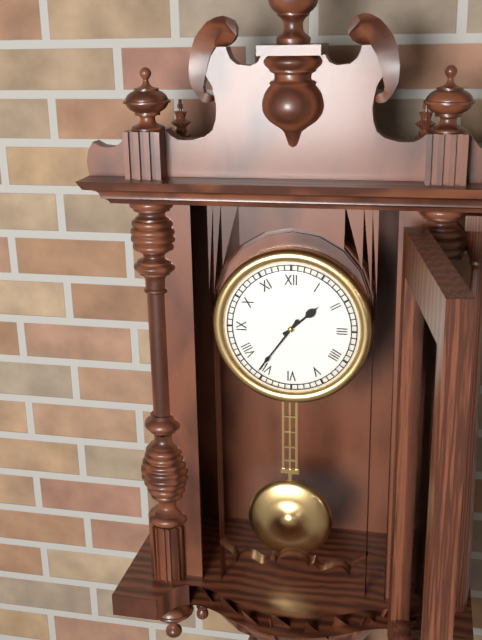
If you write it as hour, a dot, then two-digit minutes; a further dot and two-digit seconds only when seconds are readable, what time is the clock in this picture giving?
1.36
